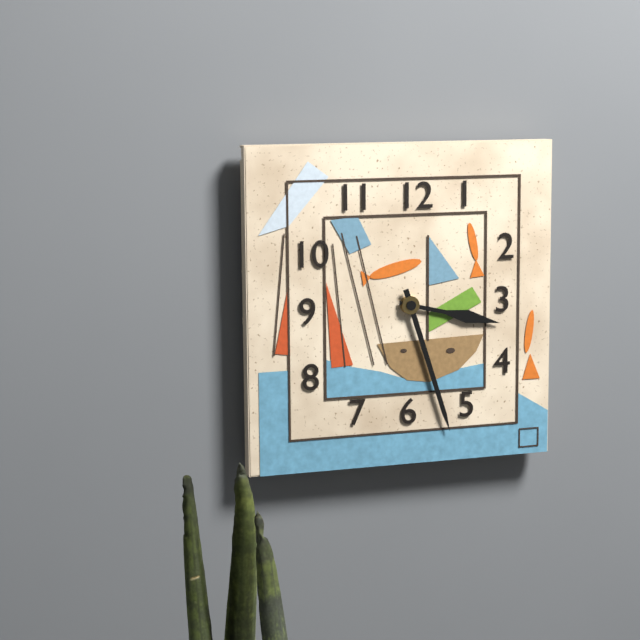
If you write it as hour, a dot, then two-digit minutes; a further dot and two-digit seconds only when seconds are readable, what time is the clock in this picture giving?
3.27
